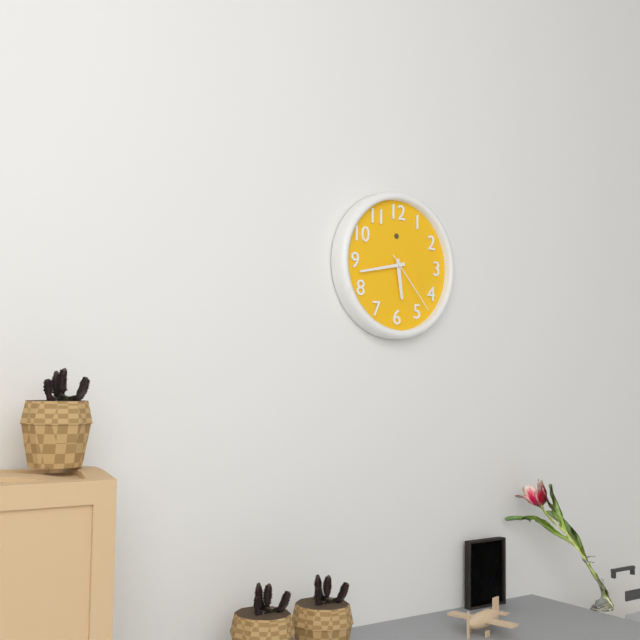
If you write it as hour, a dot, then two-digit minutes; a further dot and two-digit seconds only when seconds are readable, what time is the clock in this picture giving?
5.43.23
